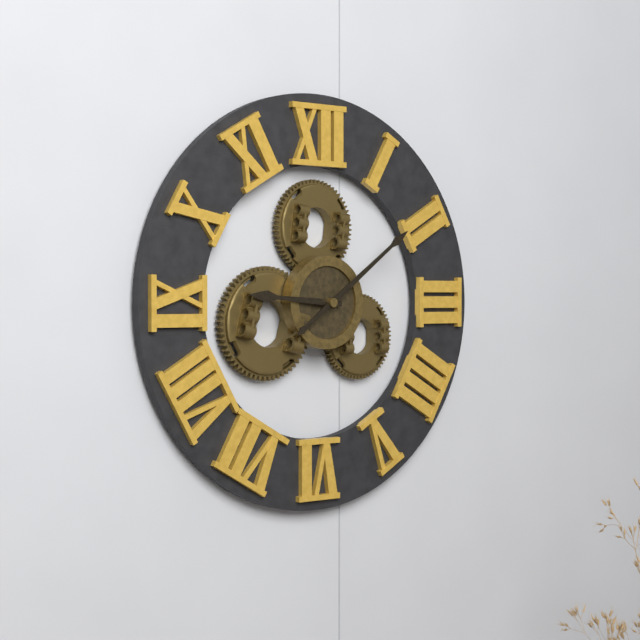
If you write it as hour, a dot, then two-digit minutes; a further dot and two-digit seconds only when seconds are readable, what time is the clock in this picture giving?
9.09
